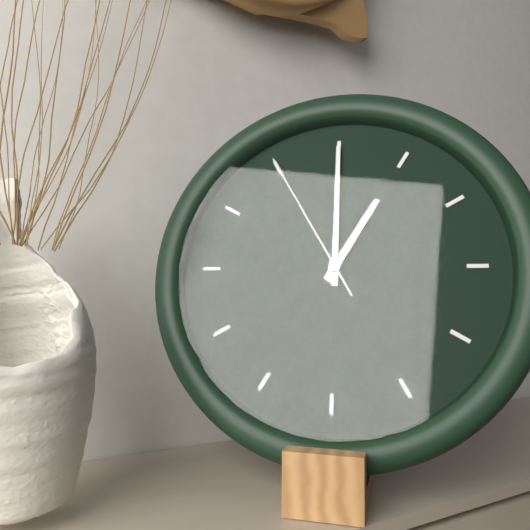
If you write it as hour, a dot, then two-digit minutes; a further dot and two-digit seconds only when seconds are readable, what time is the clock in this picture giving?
1.00.55
